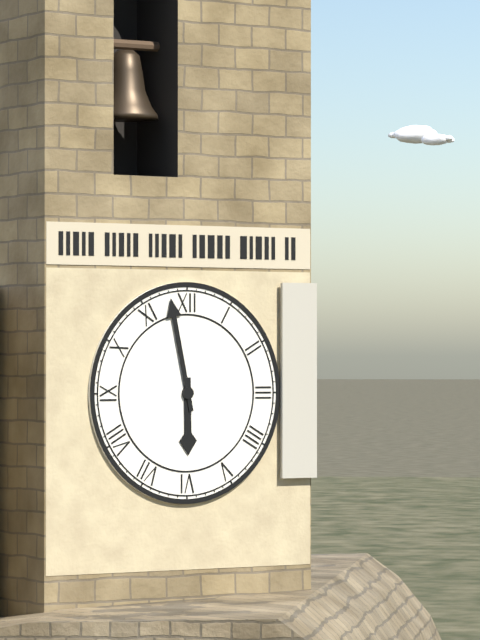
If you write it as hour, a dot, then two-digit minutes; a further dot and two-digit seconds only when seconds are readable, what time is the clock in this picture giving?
5.58
